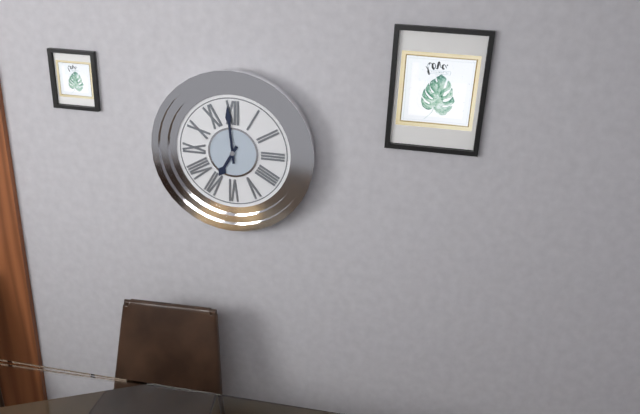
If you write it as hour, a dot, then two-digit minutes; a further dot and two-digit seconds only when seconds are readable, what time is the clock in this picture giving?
6.59
